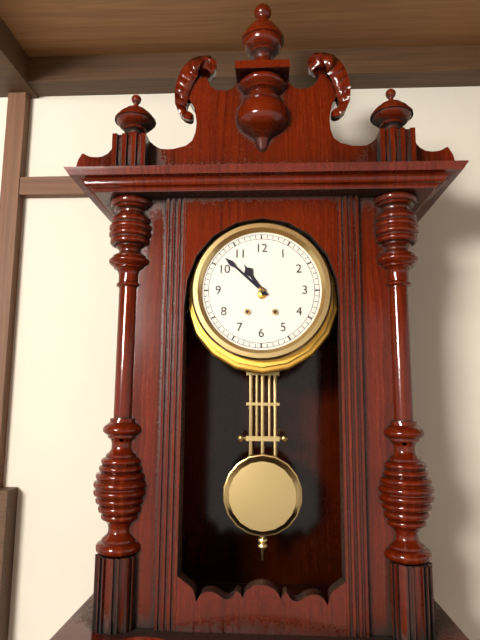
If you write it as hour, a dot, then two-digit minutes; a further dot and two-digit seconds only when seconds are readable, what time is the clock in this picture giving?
10.52
